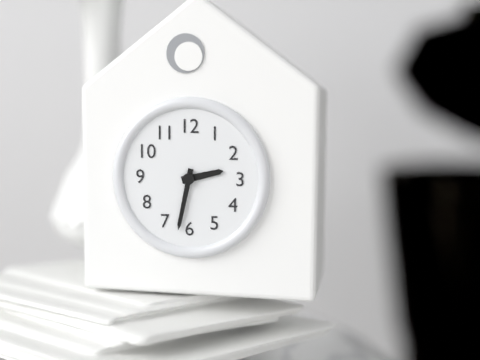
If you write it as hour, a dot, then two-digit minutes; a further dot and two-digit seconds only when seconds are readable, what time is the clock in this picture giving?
2.32
